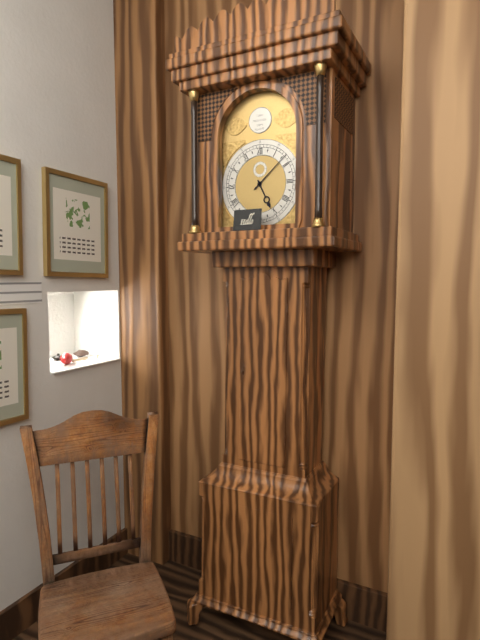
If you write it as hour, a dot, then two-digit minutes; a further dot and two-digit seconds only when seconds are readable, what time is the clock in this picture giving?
5.08
